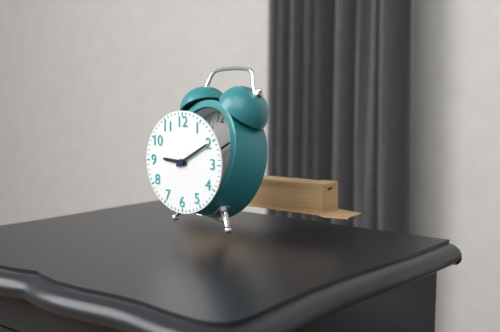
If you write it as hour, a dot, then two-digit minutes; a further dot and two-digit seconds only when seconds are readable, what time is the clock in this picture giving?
9.10
